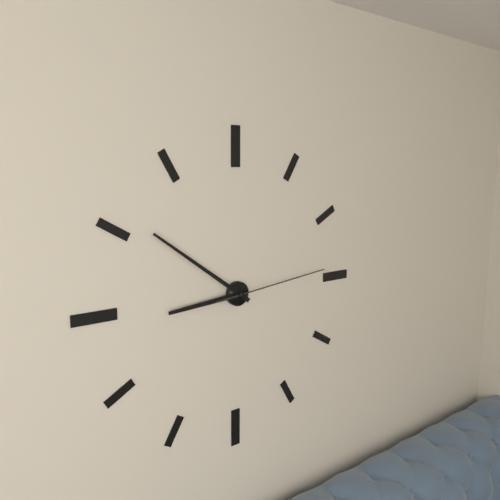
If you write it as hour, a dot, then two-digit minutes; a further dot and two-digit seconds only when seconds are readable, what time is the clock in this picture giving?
8.51.14
